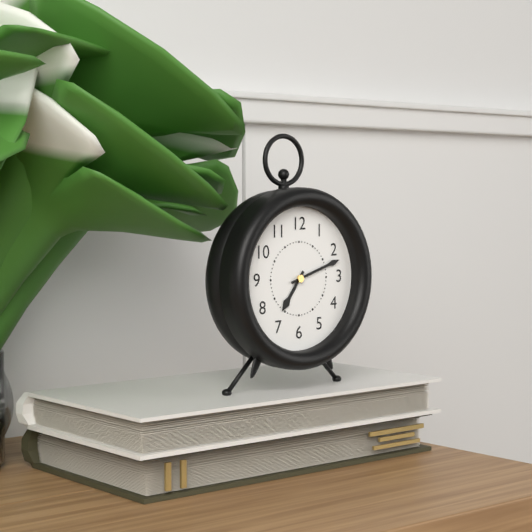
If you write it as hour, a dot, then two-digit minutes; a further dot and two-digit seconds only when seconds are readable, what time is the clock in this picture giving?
7.12
